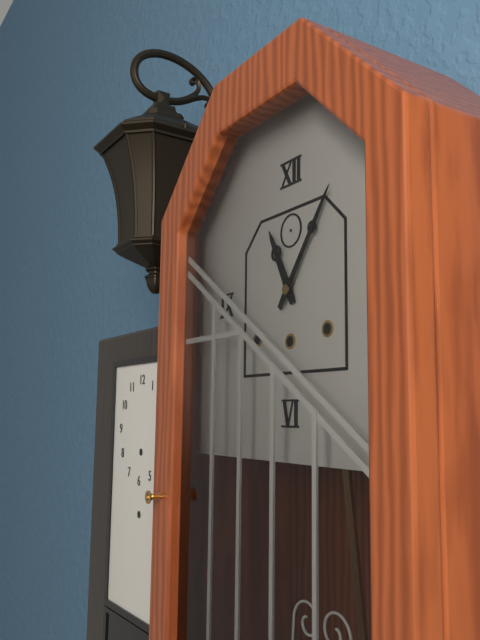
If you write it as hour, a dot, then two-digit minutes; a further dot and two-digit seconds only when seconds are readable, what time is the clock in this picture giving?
11.06
